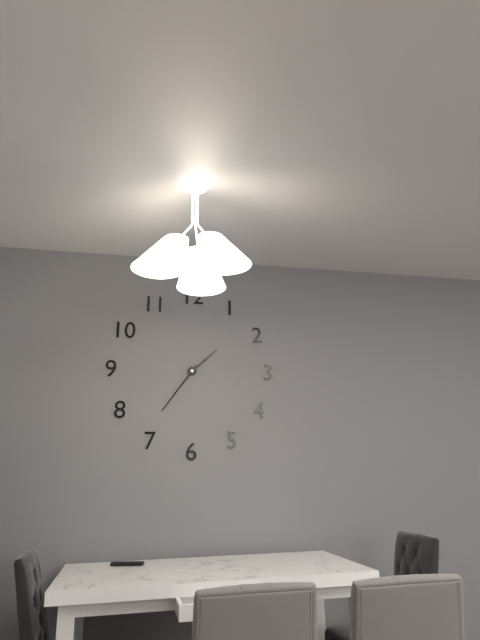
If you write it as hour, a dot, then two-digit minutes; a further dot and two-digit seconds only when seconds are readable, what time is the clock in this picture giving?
1.36
